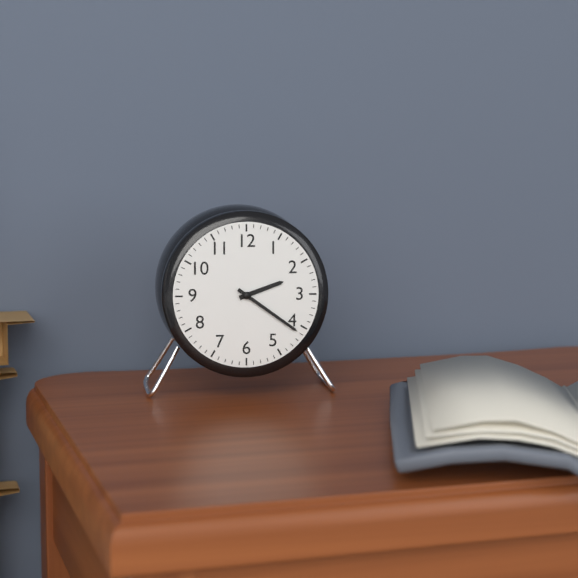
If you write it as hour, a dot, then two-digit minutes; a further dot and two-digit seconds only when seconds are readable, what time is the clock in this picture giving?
2.21
